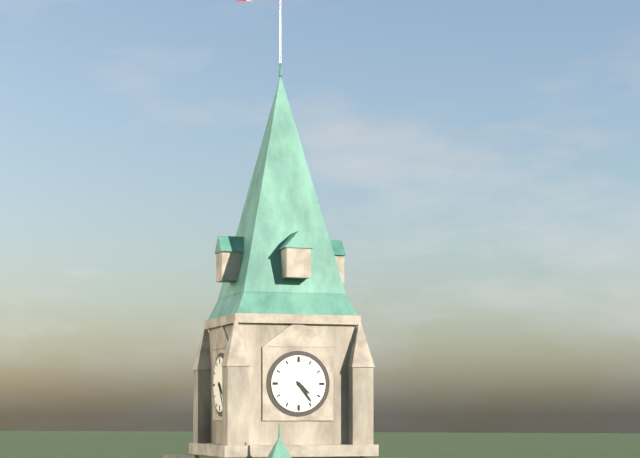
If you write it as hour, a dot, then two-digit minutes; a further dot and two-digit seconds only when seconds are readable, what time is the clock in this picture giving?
4.24
